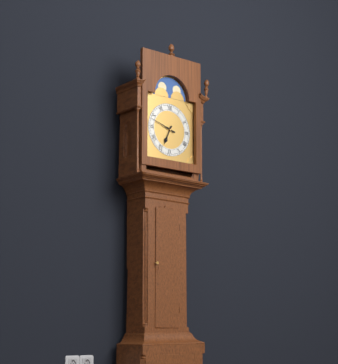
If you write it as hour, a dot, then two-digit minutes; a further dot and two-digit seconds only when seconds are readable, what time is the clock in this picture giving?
6.48
